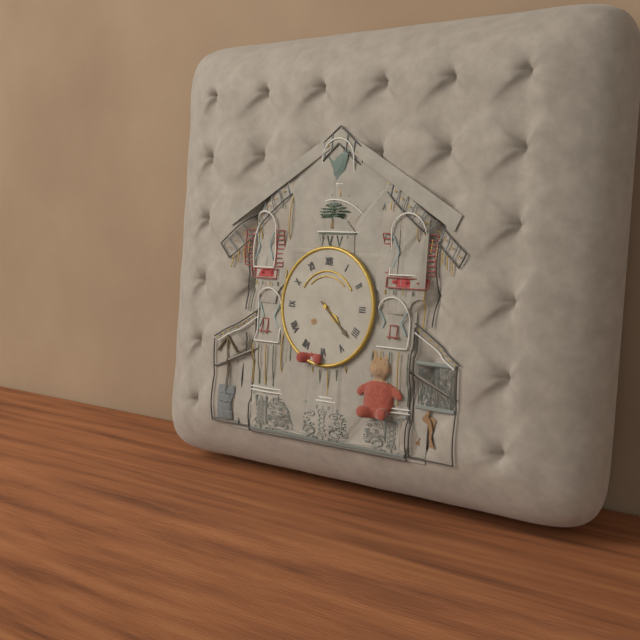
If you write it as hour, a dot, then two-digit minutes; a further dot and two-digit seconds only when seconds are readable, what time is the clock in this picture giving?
4.22
